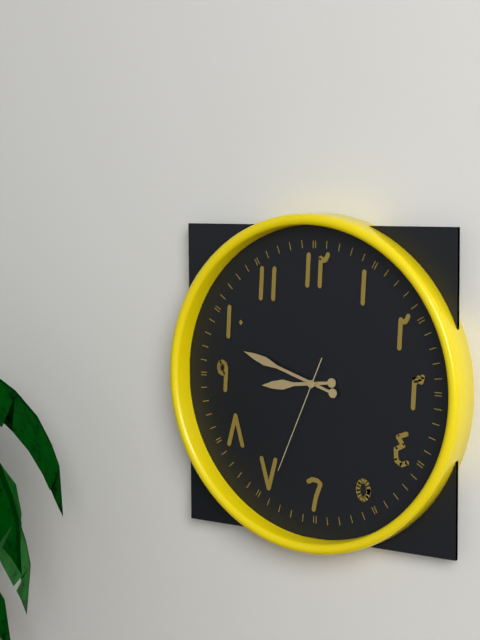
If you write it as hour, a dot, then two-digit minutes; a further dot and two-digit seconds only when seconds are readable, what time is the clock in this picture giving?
8.48.34
